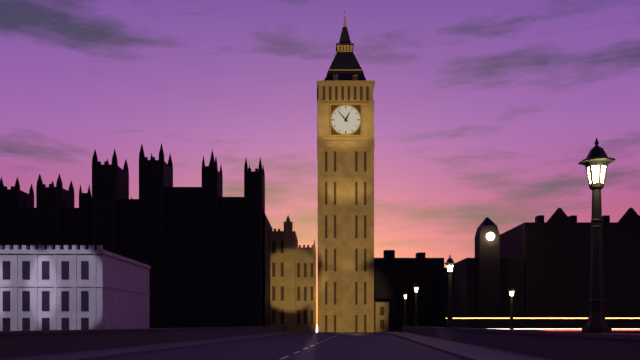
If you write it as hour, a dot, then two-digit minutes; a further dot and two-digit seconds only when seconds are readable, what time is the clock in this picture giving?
12.53
